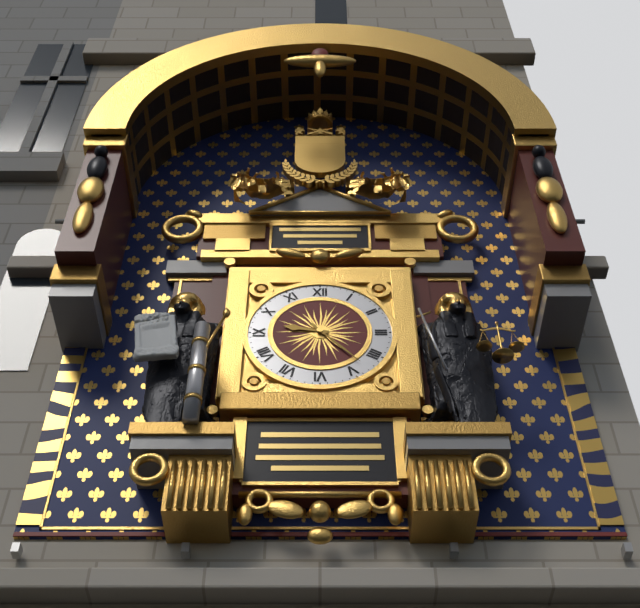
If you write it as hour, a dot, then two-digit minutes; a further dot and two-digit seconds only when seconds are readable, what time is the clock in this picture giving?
9.23
